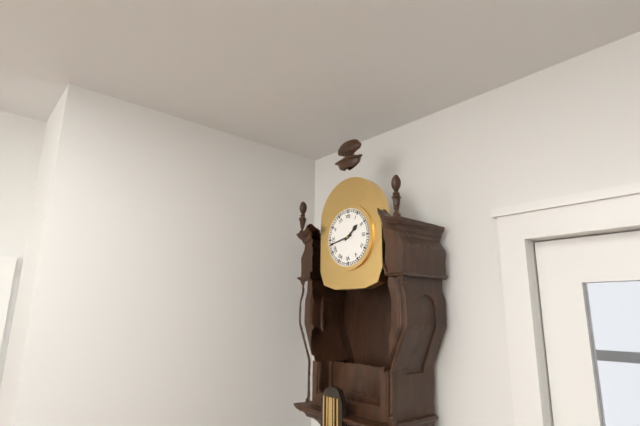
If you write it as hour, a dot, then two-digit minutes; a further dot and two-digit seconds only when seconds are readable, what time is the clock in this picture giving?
1.43
